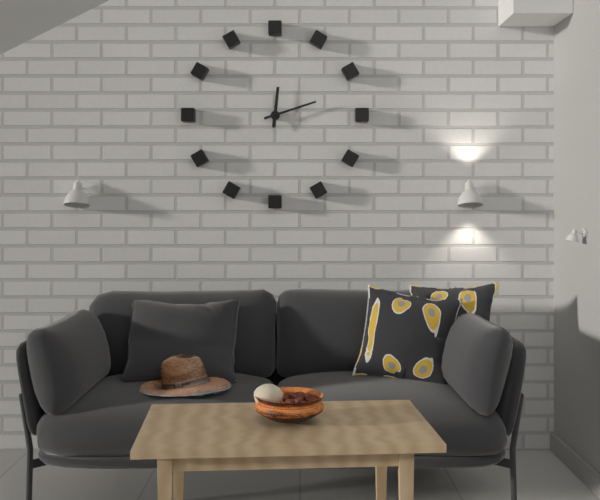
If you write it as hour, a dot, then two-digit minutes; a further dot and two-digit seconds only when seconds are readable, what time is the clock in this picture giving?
12.12
